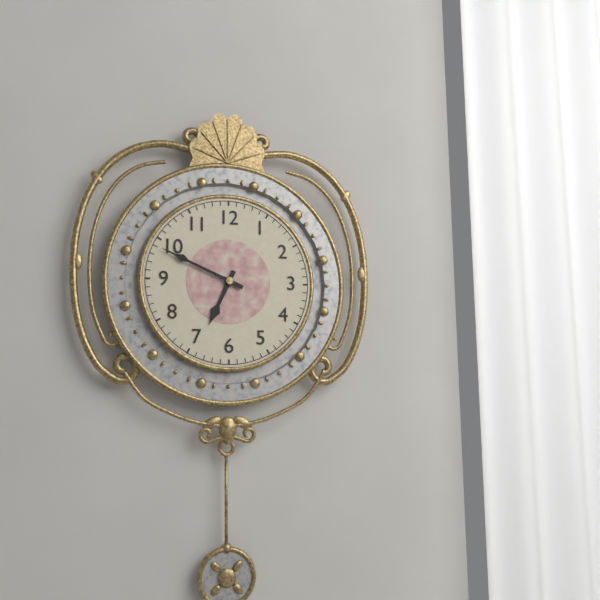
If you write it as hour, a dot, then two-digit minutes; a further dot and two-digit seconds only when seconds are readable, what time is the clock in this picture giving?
6.49
